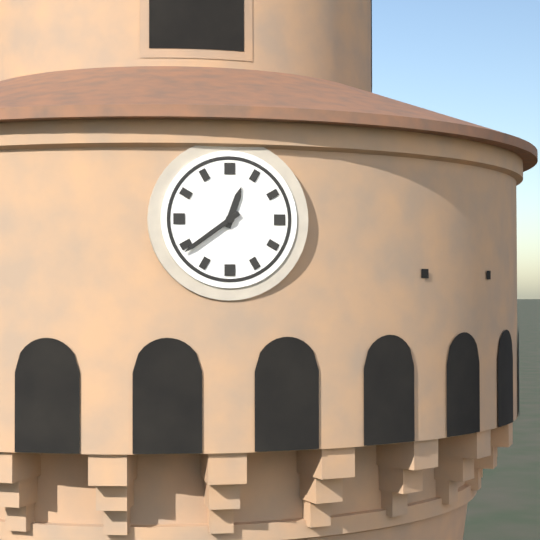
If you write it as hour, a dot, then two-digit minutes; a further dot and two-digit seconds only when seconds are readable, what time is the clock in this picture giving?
12.39
